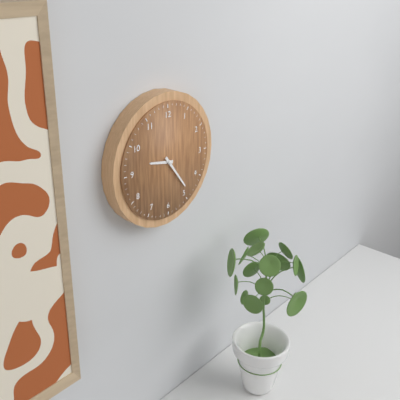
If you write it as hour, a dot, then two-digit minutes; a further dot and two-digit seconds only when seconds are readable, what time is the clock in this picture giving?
9.24
